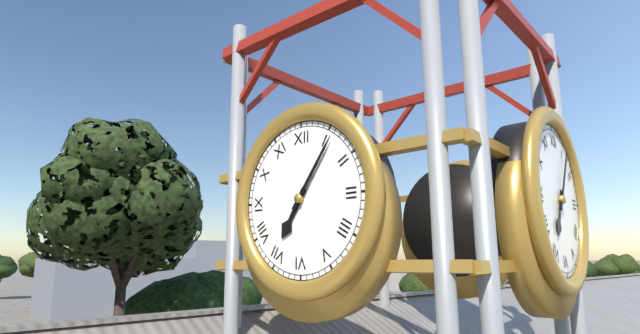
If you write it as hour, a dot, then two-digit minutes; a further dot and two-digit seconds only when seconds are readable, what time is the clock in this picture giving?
7.06
